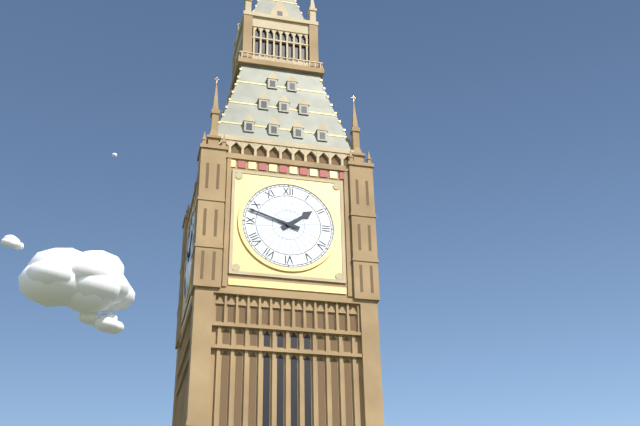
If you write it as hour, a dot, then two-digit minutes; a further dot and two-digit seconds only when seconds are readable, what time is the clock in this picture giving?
1.48
